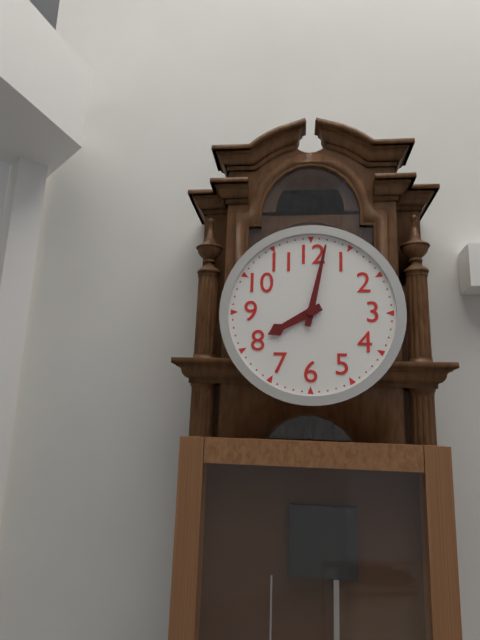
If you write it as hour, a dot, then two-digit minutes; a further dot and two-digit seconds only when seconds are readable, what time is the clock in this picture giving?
8.02
